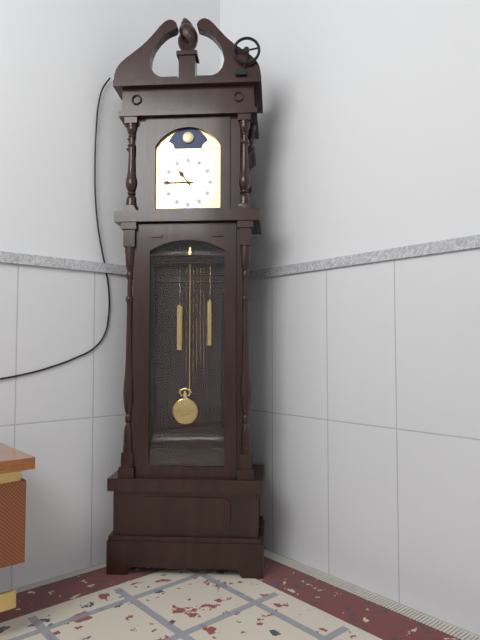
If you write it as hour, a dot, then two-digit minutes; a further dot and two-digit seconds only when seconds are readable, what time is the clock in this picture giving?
10.45
